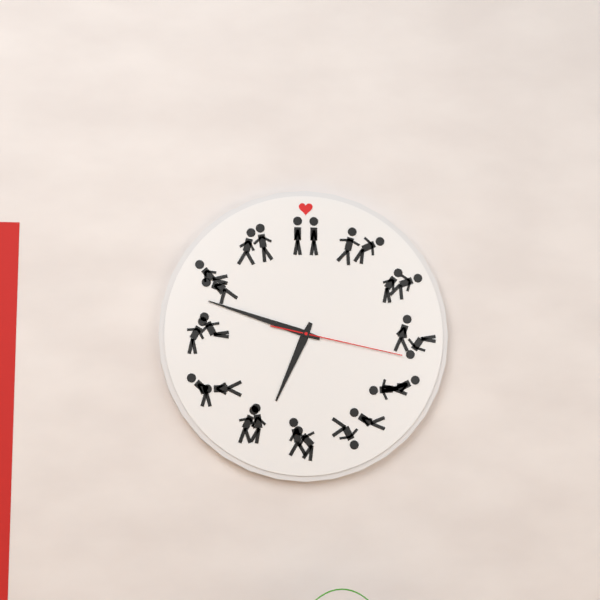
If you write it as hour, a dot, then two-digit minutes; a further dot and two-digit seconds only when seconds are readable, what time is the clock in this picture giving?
6.48.17
